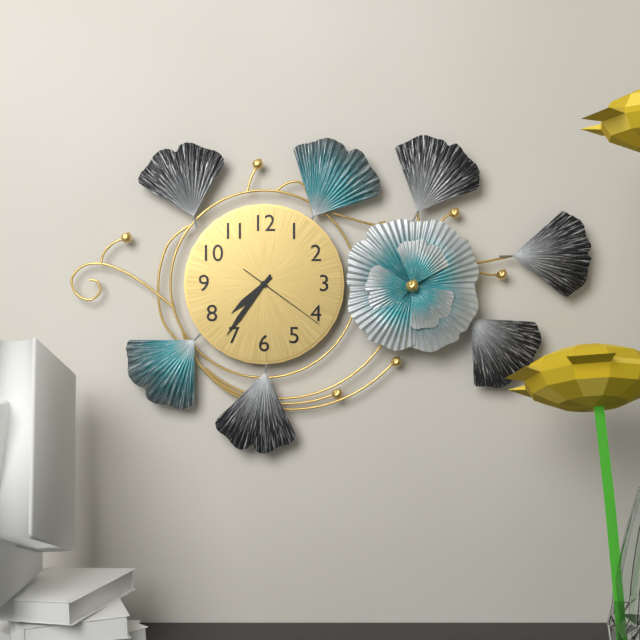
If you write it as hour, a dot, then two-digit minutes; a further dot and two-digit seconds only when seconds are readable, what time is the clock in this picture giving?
7.36.21
